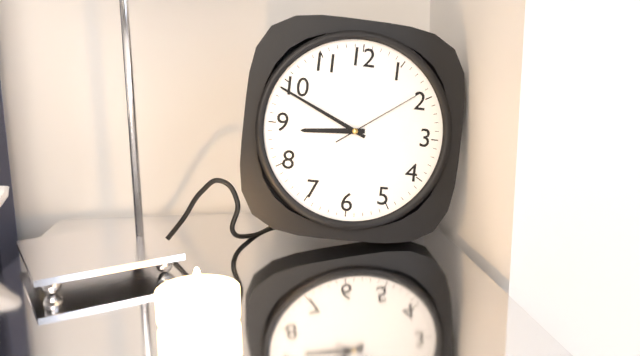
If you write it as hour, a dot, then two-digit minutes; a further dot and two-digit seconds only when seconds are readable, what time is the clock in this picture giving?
8.49.09
